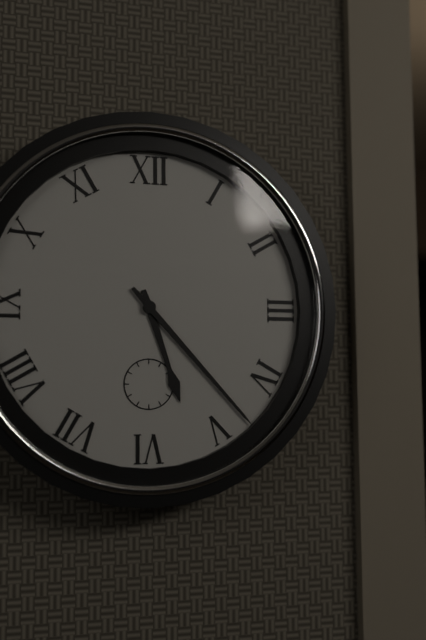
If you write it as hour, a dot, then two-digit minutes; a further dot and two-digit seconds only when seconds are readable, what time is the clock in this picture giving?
5.23
